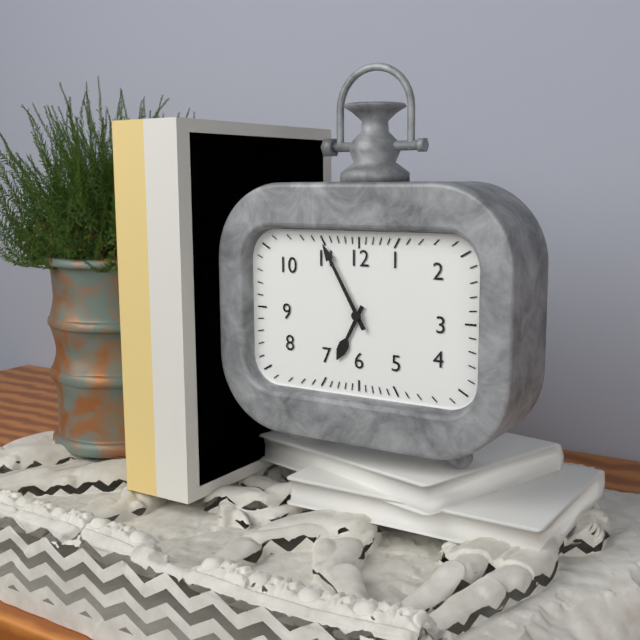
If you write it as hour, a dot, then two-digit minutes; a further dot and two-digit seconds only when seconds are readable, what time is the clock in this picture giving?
6.55
